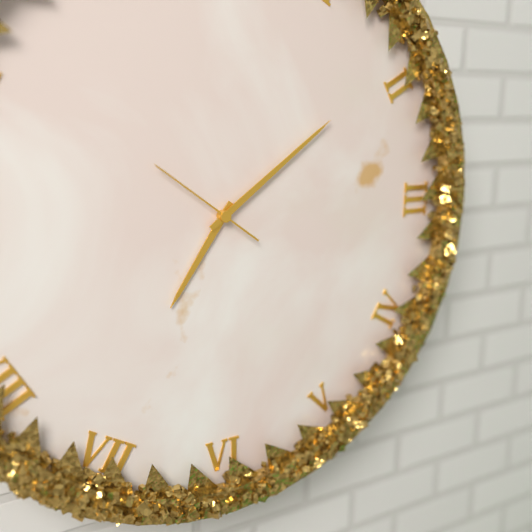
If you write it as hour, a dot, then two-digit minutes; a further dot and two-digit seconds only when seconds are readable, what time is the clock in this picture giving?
7.09.51
